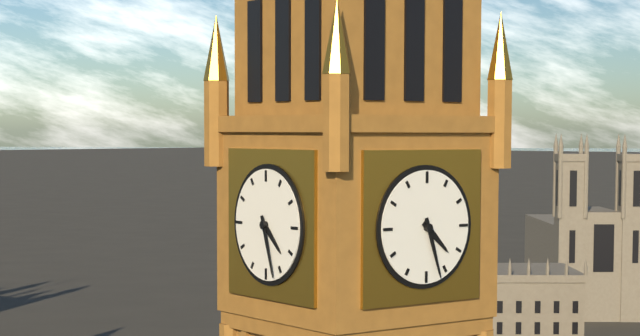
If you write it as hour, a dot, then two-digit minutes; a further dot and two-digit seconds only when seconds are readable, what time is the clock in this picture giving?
4.27
